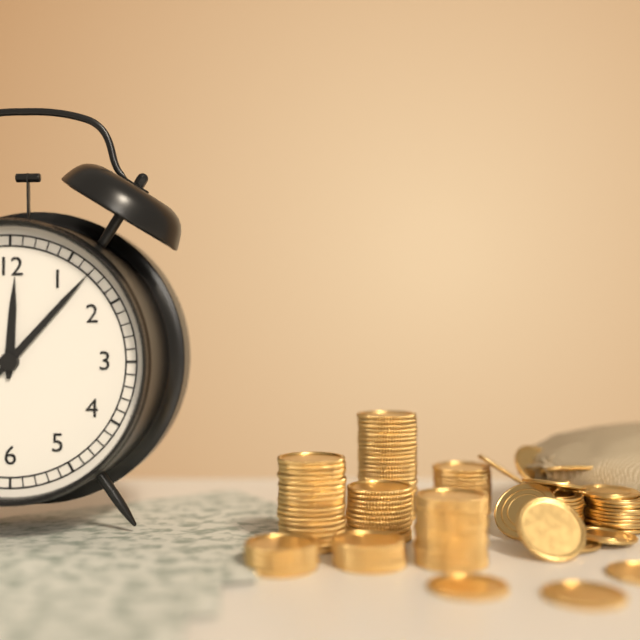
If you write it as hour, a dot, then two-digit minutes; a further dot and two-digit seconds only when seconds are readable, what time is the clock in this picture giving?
12.07
